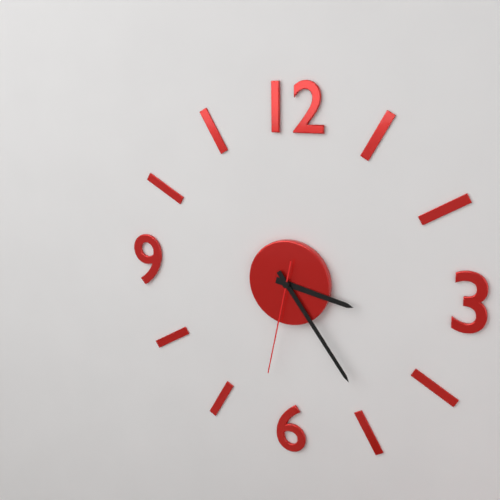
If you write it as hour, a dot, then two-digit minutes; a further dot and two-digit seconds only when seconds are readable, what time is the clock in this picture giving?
3.24.32
